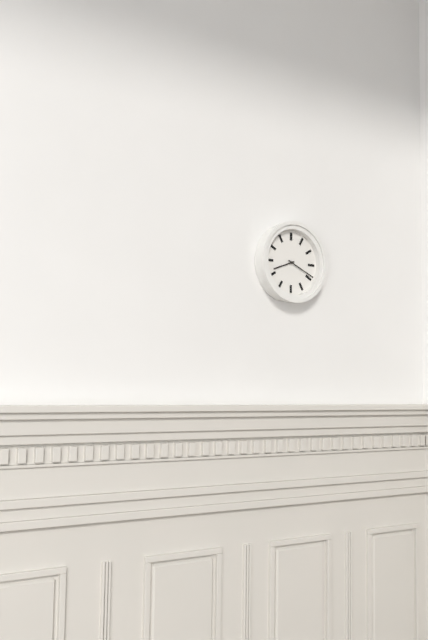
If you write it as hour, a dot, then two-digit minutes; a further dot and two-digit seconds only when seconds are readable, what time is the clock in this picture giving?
8.19
